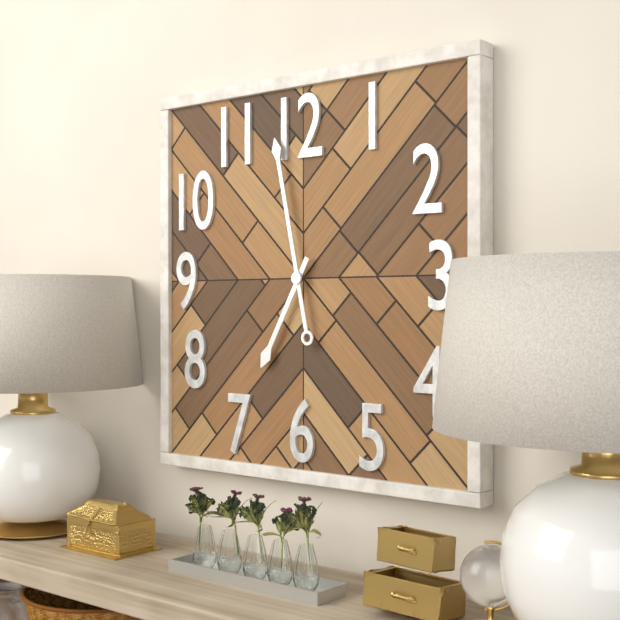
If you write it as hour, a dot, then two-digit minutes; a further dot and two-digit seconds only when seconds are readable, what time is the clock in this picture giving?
6.58
